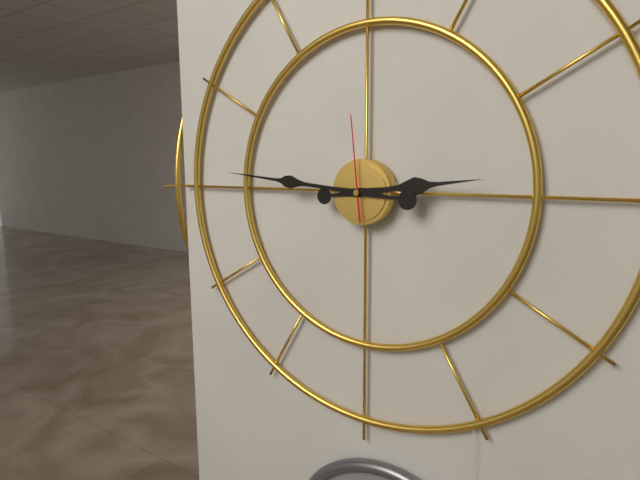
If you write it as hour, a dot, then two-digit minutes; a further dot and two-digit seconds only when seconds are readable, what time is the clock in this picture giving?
2.46.59
